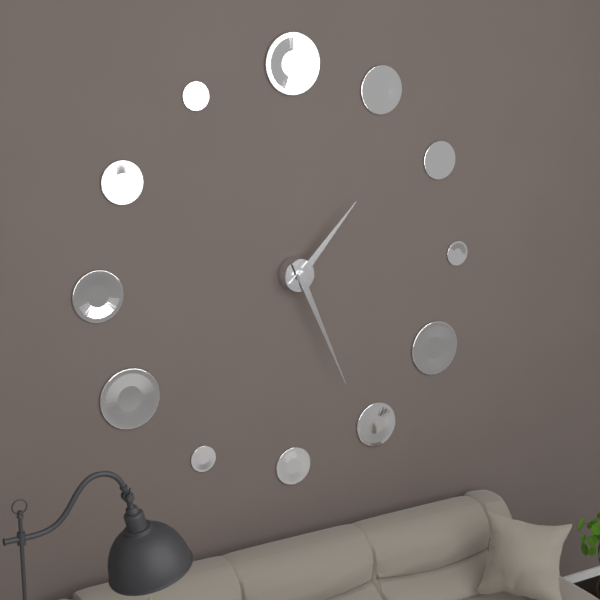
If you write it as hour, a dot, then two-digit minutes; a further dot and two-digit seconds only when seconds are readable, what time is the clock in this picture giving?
1.26
